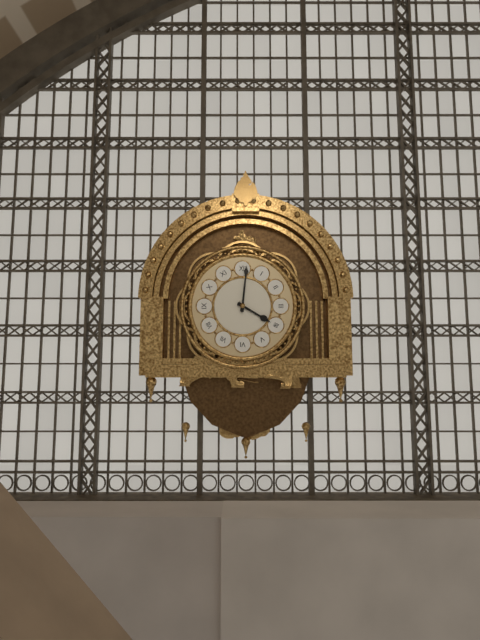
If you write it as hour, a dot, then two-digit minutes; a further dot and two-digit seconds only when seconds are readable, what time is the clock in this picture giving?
4.01
